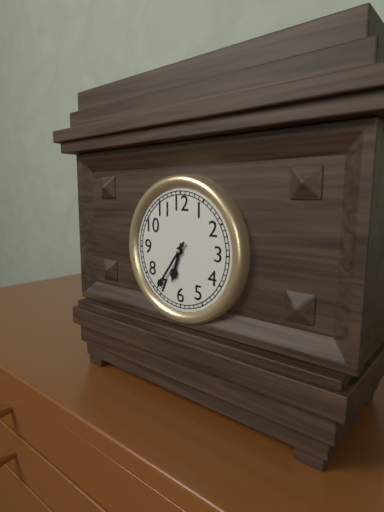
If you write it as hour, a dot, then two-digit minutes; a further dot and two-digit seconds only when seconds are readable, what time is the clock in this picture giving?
6.36
